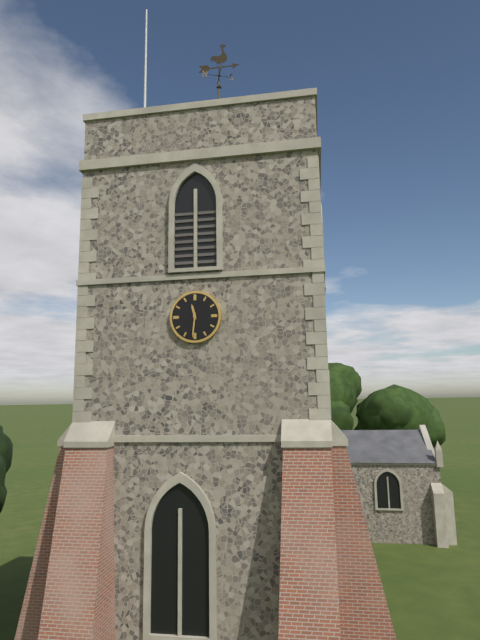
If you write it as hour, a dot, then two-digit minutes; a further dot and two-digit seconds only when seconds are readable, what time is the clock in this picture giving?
11.31
